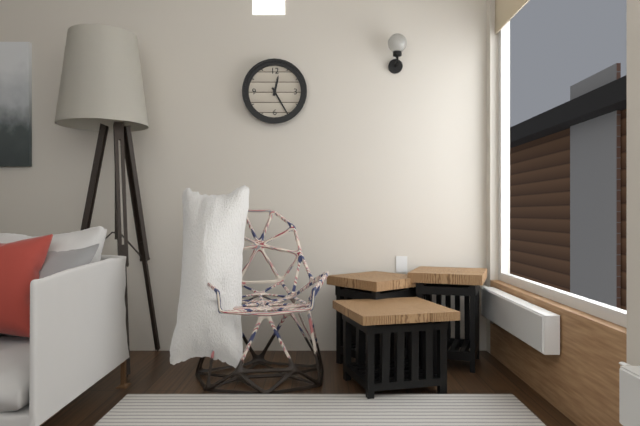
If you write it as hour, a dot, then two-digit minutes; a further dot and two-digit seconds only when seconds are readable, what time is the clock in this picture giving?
12.25
